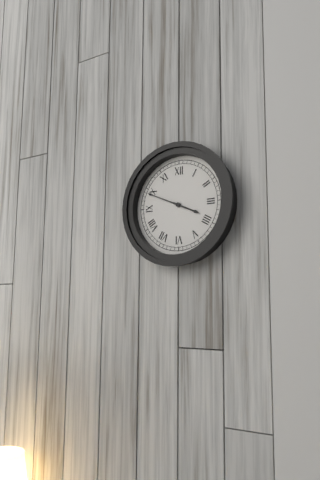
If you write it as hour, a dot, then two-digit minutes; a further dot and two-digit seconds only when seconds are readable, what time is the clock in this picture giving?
3.49
